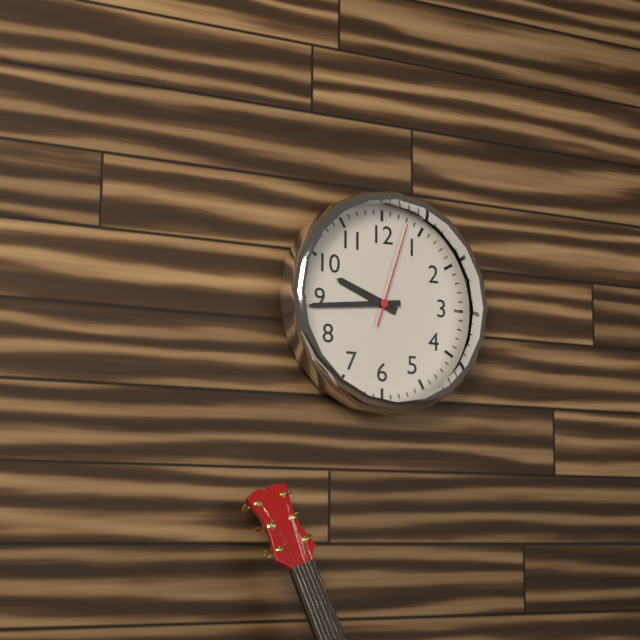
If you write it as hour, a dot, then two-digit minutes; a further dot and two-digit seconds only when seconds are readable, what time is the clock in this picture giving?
9.44.03
